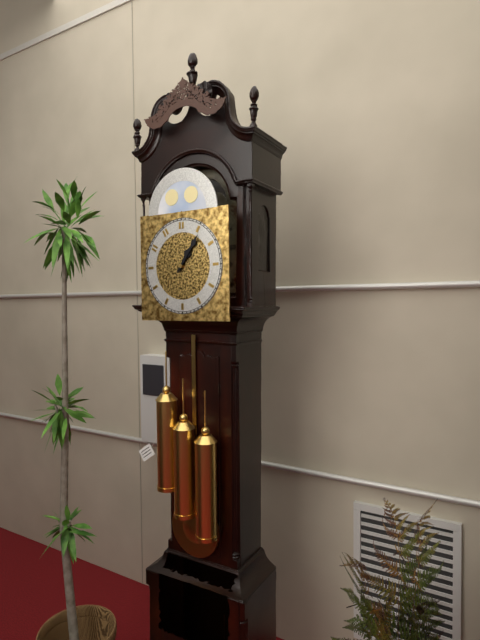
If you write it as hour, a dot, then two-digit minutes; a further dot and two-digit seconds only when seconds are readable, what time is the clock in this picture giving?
1.06
